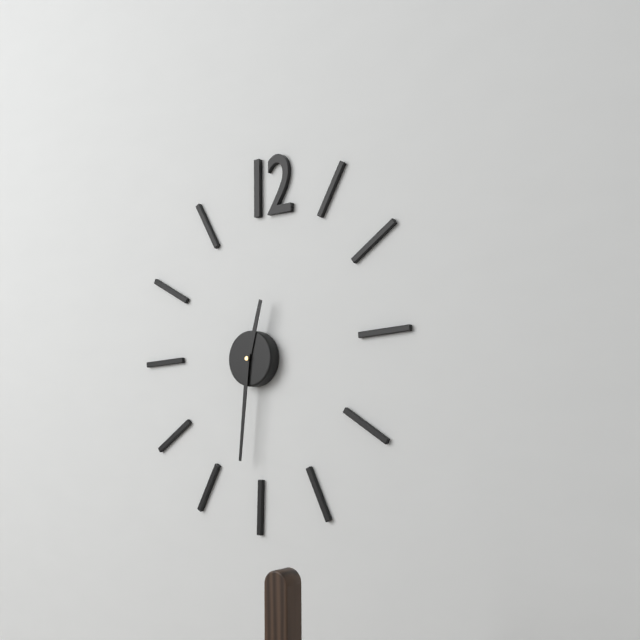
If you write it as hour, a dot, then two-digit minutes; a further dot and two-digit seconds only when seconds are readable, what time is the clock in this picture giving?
12.31
